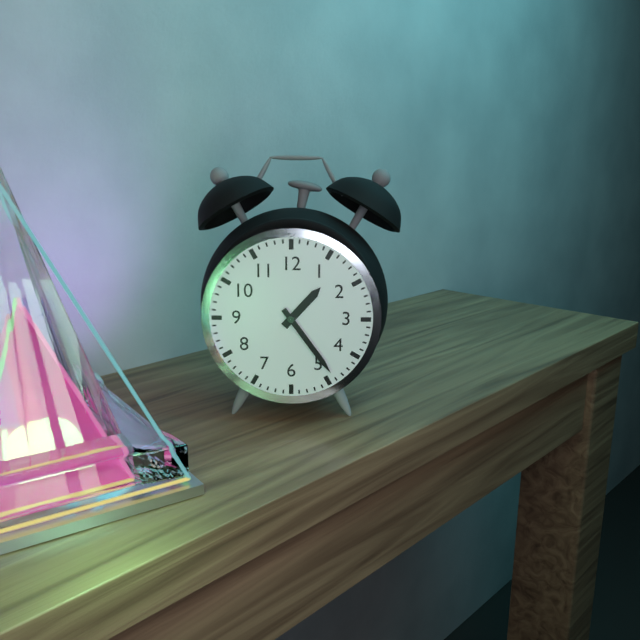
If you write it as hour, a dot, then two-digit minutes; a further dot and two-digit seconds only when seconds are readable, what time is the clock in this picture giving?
1.24
